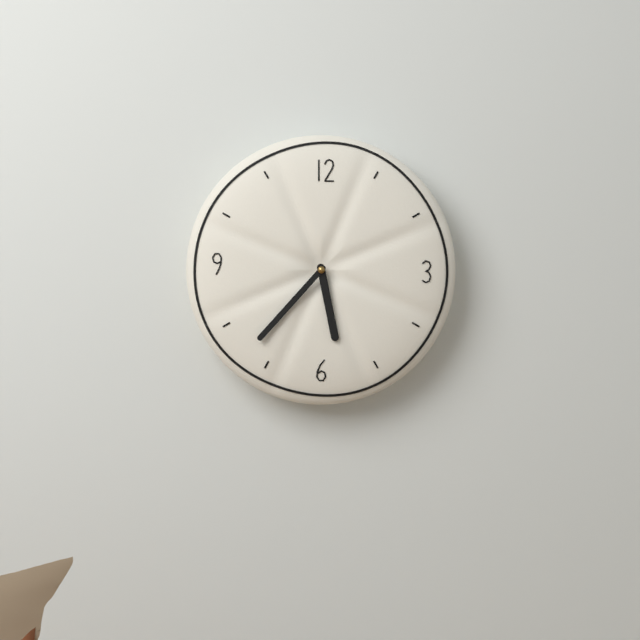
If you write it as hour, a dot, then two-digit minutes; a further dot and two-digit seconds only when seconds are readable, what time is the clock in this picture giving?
5.37
